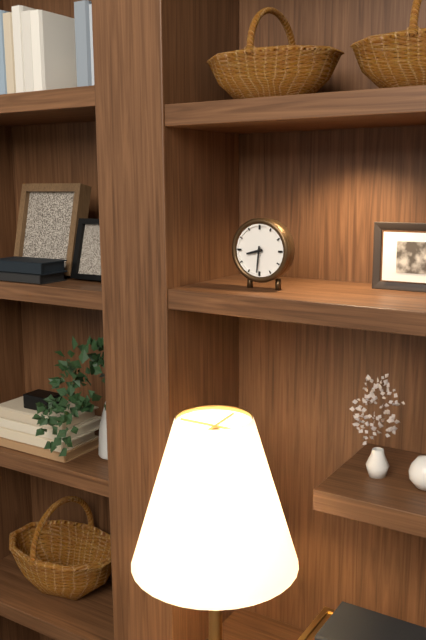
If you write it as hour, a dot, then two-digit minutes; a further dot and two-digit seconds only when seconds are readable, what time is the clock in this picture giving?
8.31
